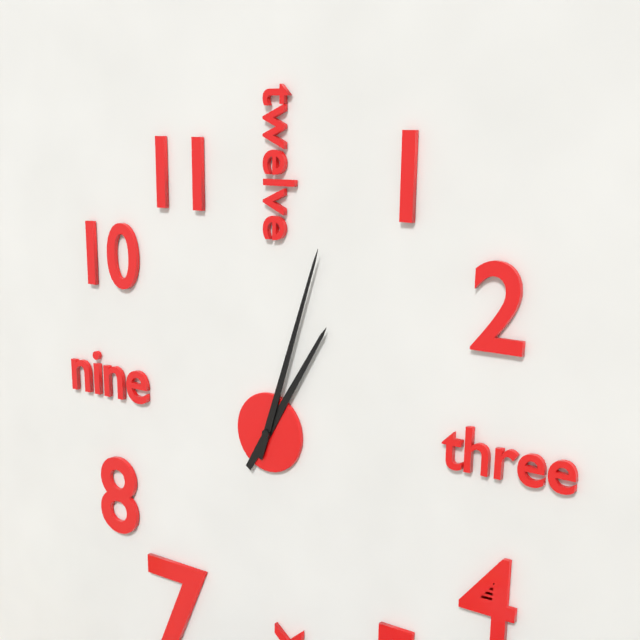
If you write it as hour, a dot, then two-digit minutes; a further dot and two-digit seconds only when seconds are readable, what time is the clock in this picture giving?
1.03
